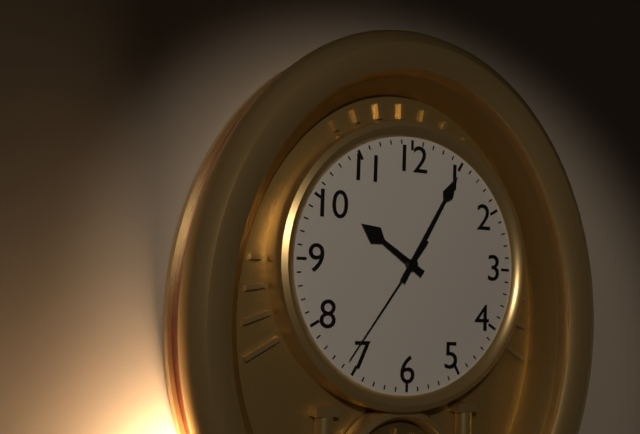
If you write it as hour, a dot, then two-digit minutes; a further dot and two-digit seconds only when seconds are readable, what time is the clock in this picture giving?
10.05.36
